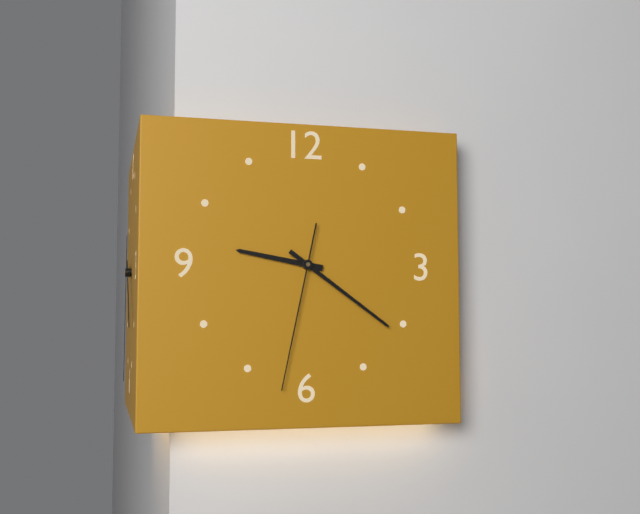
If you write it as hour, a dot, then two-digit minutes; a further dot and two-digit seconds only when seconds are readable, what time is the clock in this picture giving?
9.21.32
